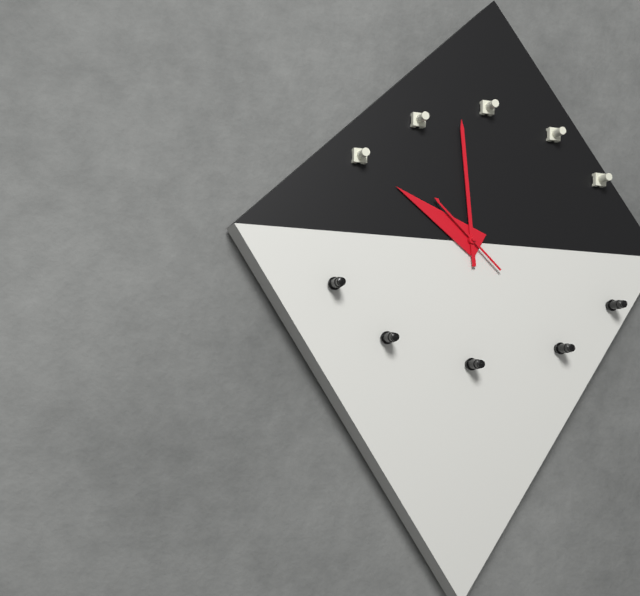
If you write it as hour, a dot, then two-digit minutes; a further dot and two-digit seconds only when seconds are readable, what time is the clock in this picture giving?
9.59.52
